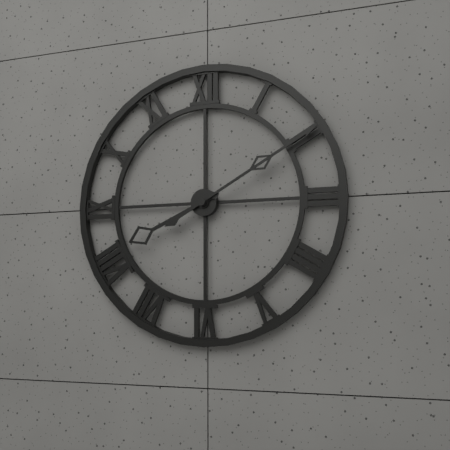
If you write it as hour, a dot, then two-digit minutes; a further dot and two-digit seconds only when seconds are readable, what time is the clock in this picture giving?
8.10
